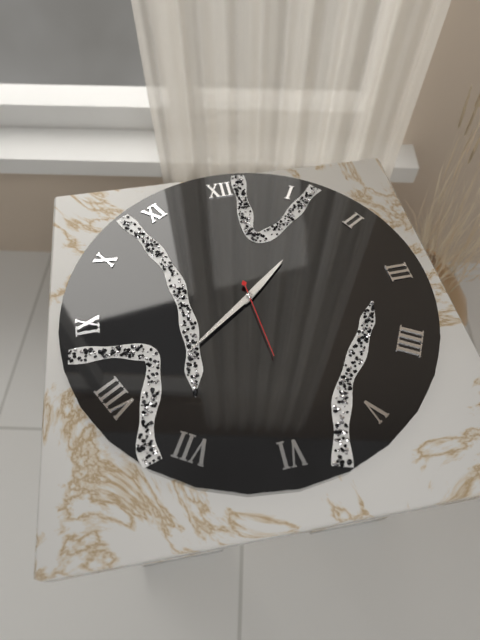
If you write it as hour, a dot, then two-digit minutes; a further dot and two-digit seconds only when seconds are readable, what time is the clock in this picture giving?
1.39.29
